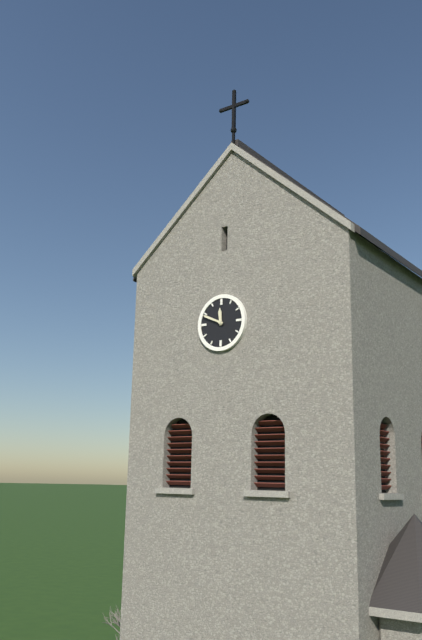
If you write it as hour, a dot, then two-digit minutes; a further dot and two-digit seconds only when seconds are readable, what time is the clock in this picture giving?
11.49
